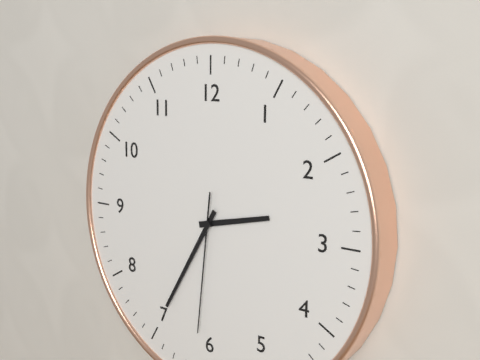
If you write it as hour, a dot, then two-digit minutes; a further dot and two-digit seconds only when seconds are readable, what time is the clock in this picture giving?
2.35.31
